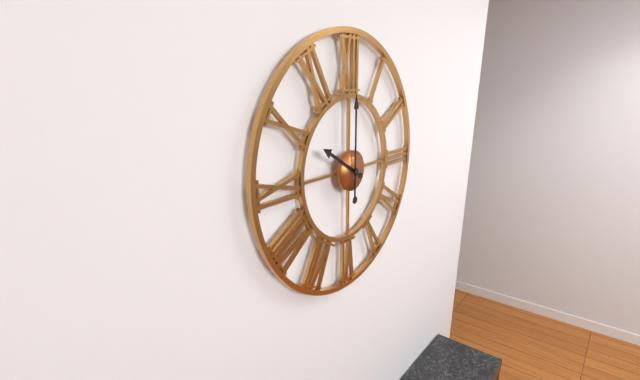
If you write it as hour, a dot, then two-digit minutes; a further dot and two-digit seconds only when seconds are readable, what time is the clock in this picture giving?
10.00
